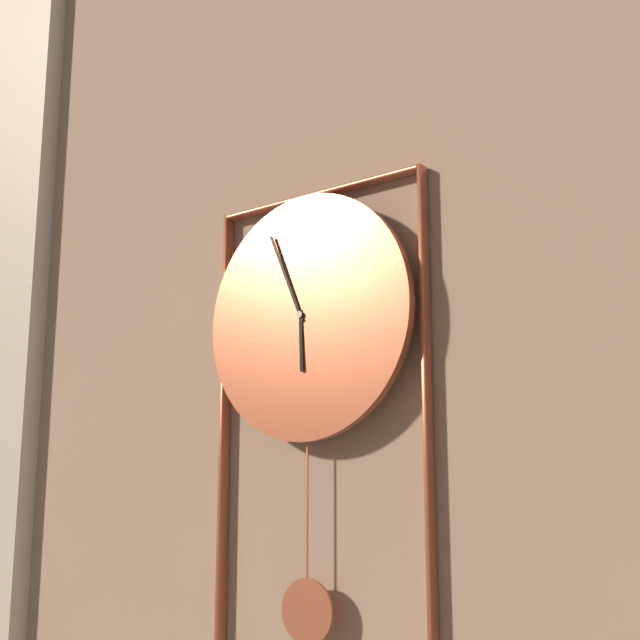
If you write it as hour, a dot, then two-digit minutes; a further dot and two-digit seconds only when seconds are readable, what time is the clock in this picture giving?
5.56
